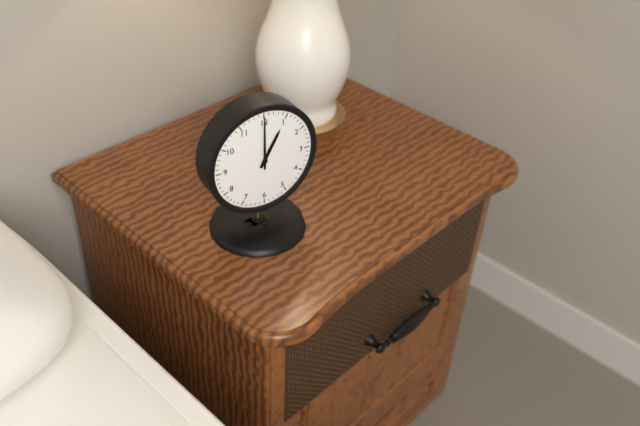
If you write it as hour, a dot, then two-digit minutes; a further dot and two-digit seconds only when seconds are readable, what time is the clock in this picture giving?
1.00
